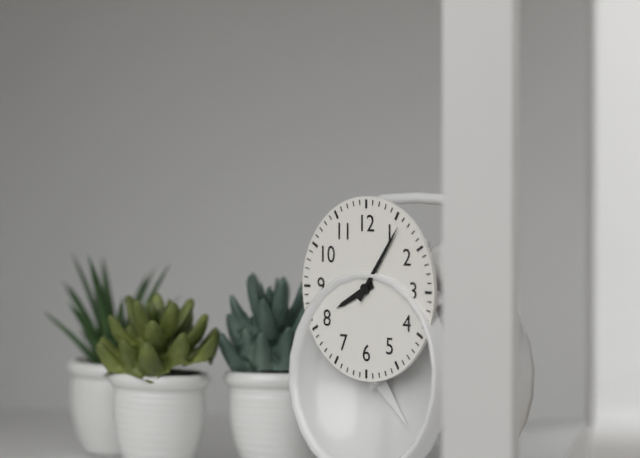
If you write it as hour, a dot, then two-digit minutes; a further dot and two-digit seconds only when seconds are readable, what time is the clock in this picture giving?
8.06
